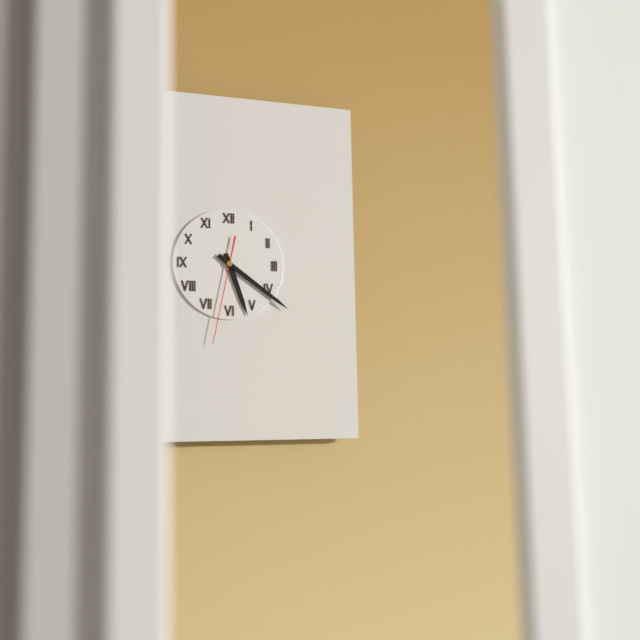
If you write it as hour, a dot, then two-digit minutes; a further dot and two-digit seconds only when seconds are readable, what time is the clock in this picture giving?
5.21.32
